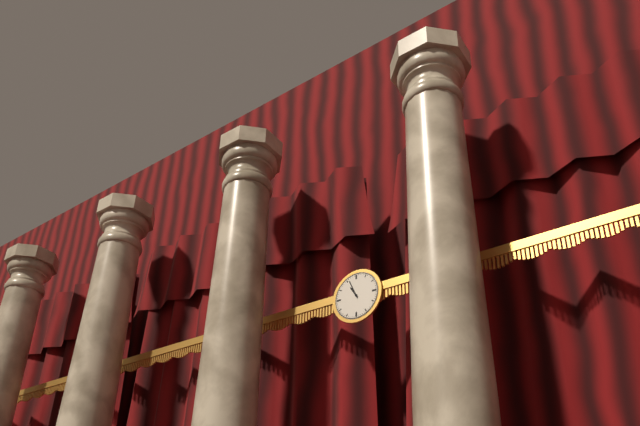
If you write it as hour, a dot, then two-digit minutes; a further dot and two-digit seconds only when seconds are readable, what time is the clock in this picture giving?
10.56
